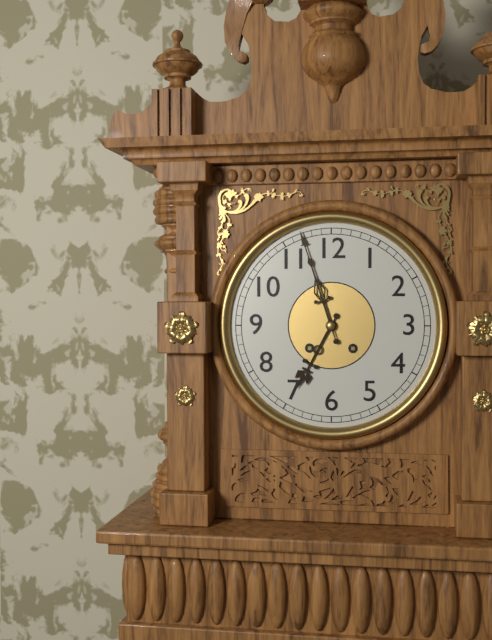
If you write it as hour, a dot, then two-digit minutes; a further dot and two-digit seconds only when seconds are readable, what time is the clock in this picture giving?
6.57
